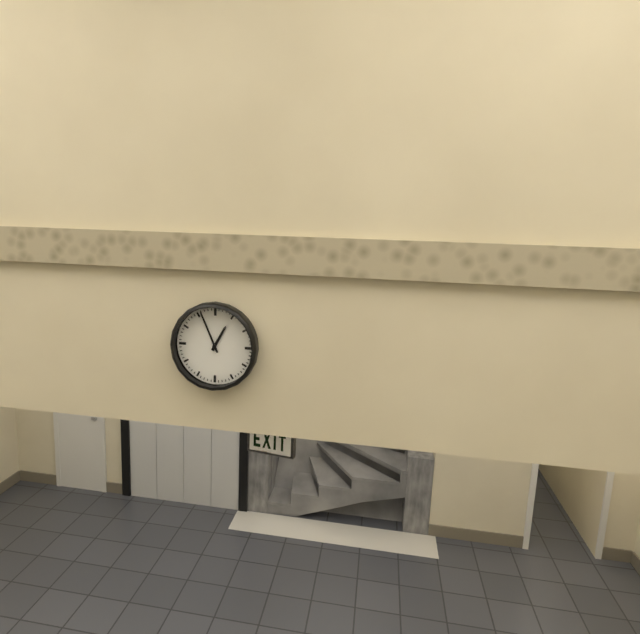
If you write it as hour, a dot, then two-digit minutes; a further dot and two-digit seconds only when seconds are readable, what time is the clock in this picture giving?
12.56
